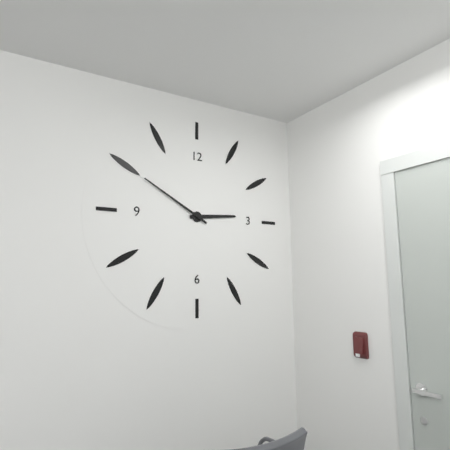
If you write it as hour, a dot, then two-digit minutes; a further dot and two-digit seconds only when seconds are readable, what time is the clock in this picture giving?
2.50
